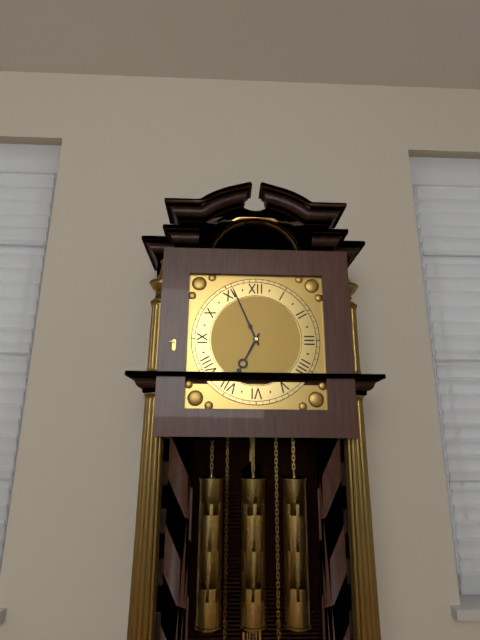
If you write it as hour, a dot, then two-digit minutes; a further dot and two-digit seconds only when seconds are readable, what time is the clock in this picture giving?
6.56
